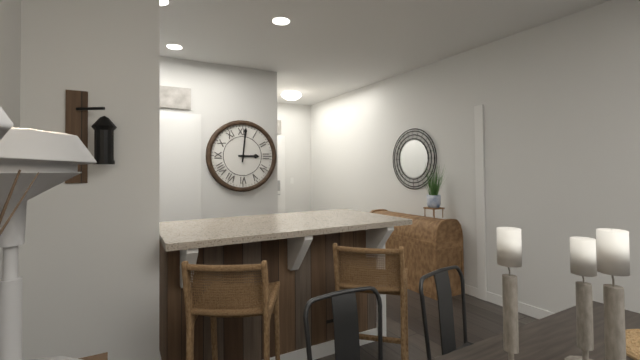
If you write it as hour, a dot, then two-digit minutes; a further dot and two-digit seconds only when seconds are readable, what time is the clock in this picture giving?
3.01
